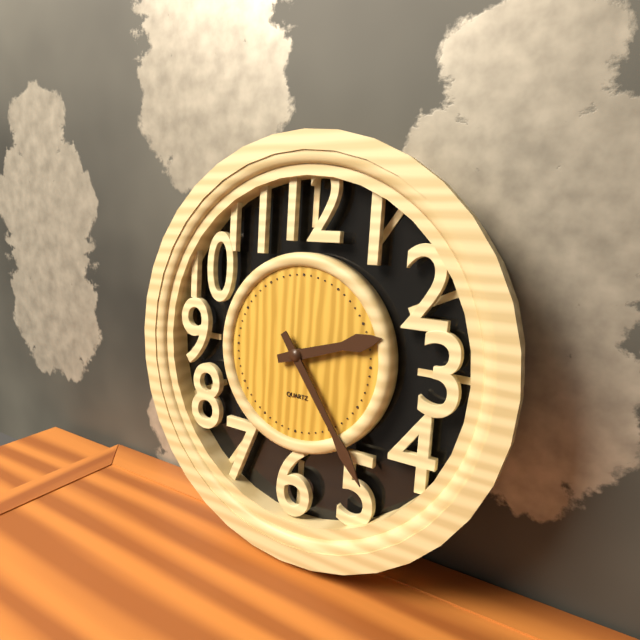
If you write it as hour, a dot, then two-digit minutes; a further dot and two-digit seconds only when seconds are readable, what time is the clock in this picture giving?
2.24
